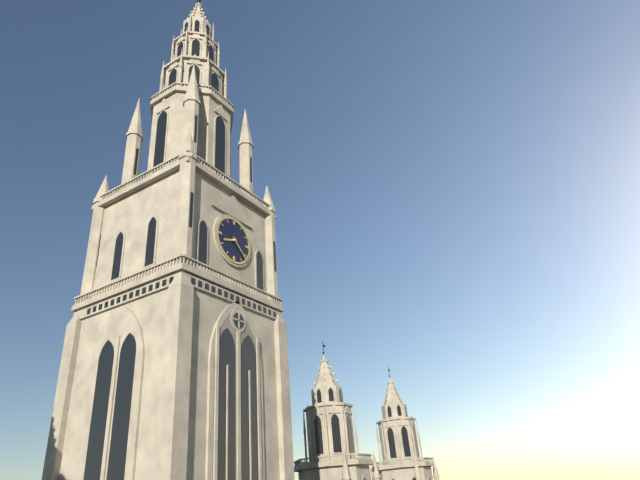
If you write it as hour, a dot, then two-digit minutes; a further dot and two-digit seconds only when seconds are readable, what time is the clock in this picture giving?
8.22
